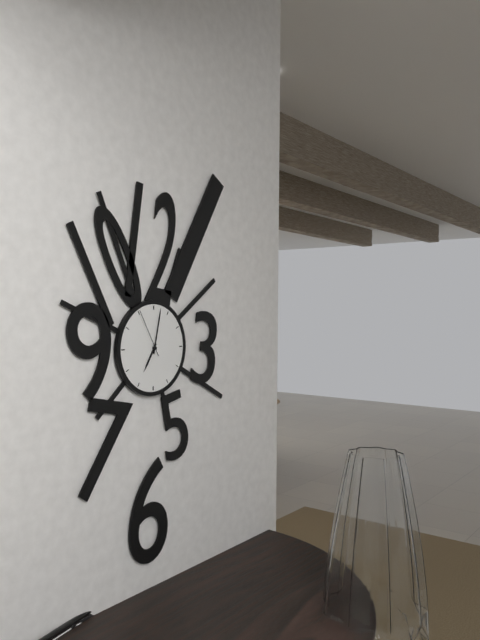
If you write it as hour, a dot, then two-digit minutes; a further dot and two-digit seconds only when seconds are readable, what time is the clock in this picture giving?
7.02.55
